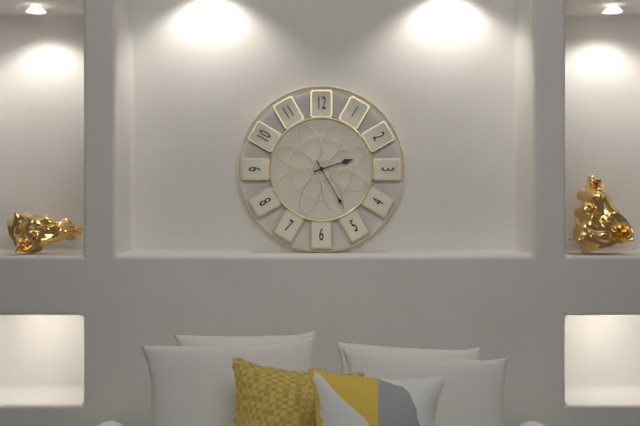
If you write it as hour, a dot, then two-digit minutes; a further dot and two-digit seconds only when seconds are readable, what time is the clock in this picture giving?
2.25
